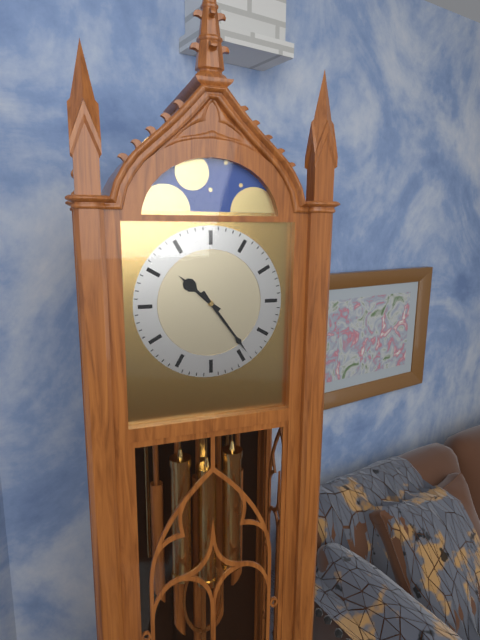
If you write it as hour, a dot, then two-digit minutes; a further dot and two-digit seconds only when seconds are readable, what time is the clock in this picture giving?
10.24
